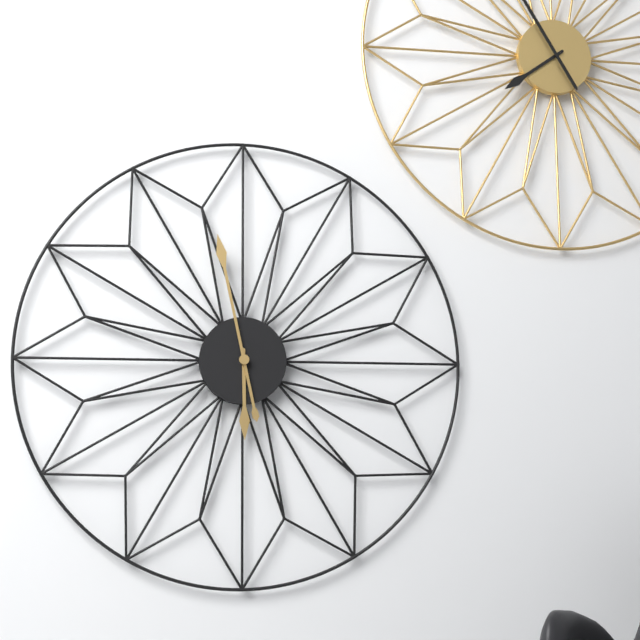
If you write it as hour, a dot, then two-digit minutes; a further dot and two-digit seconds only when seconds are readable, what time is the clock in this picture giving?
5.58
